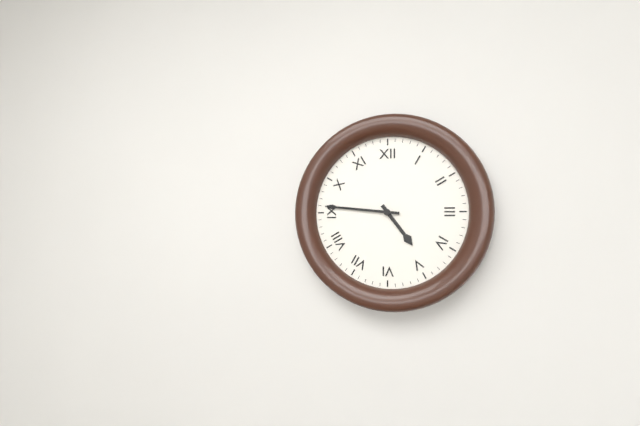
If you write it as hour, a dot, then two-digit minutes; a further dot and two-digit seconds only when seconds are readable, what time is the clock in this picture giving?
4.46
